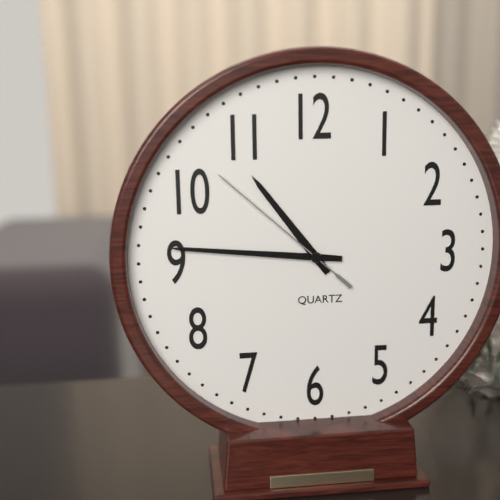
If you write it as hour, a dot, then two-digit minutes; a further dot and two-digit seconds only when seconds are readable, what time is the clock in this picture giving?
10.46.52
